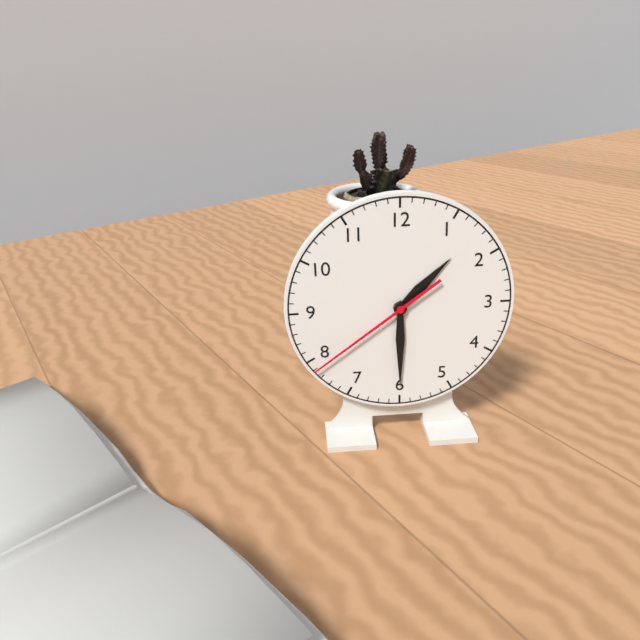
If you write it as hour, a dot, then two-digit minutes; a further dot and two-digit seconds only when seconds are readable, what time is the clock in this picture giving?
1.30.39
